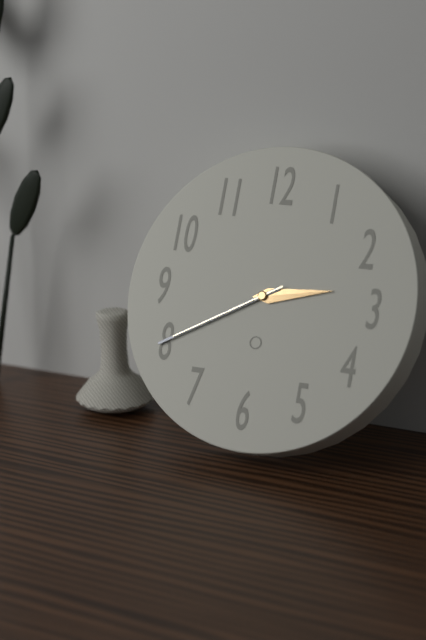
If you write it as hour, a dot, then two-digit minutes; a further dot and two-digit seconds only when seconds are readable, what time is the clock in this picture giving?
2.40.40
